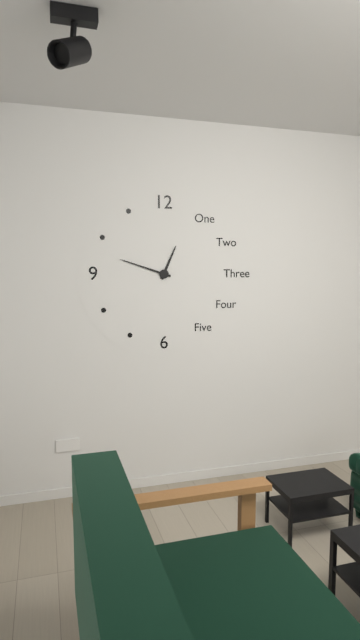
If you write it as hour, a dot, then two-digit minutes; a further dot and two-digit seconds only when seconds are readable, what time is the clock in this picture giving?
12.48
